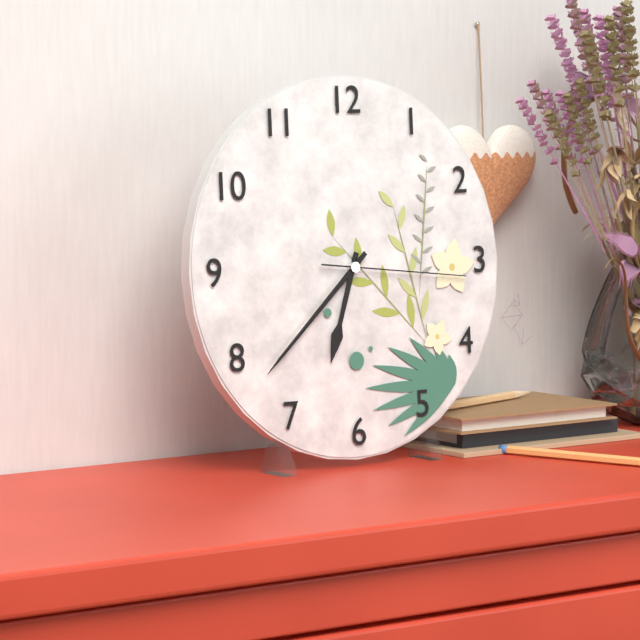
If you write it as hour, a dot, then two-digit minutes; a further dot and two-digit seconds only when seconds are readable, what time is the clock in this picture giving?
6.38.16
